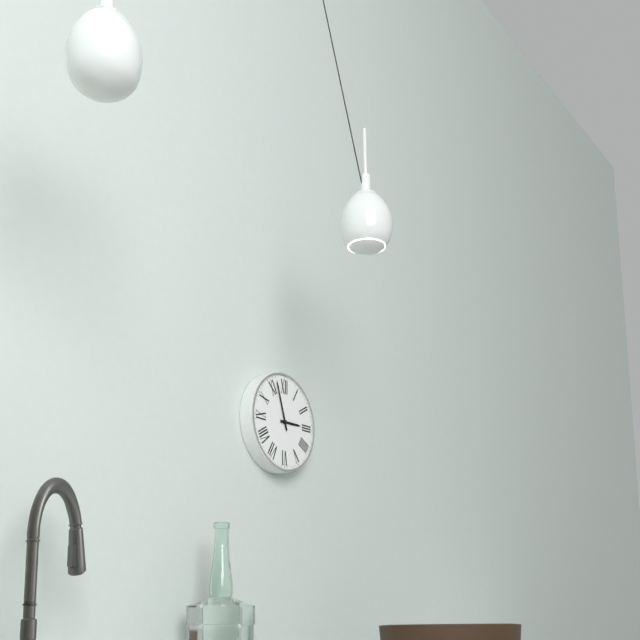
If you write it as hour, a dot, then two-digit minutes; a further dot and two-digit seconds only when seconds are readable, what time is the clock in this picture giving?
2.57
